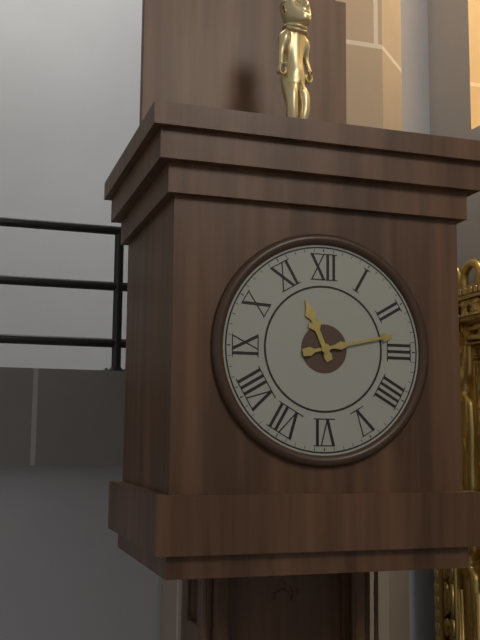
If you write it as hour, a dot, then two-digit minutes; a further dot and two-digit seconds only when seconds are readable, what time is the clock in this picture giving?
11.13
